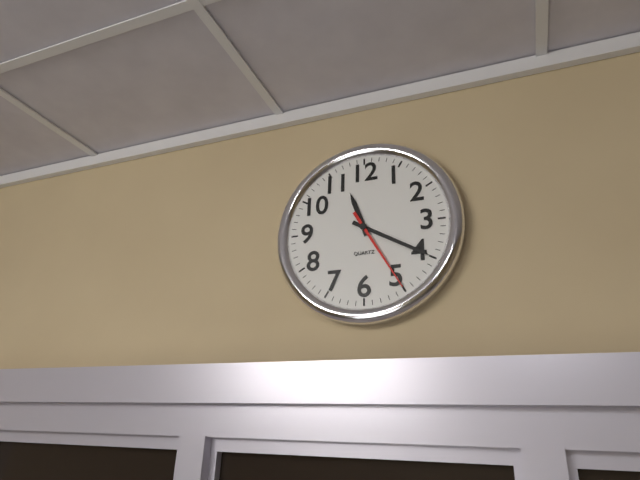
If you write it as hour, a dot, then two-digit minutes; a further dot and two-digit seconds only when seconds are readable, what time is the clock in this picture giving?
11.20.25
